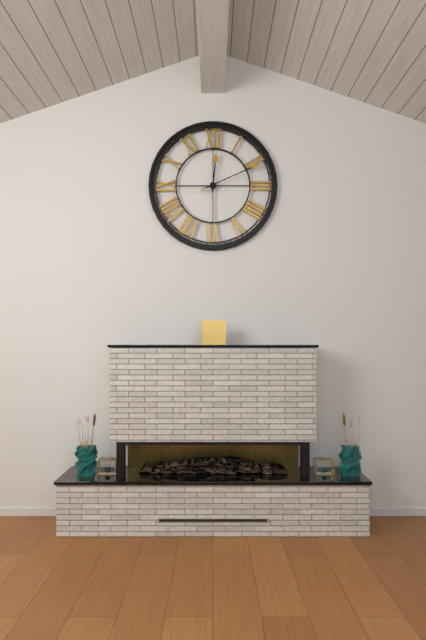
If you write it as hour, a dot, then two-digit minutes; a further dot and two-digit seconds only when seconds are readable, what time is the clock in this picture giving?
12.11
